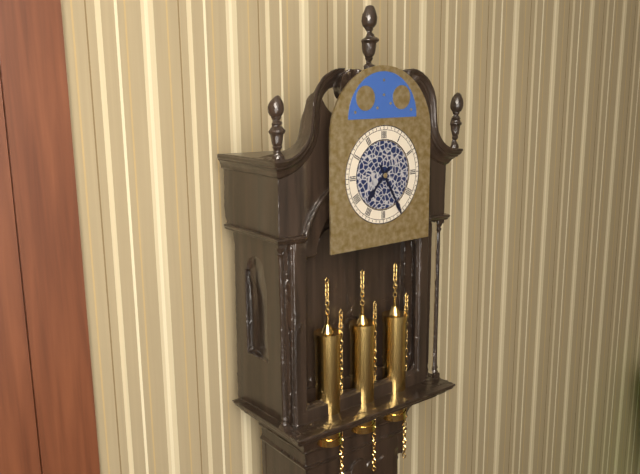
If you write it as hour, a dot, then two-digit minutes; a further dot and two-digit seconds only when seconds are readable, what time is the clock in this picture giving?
7.25
